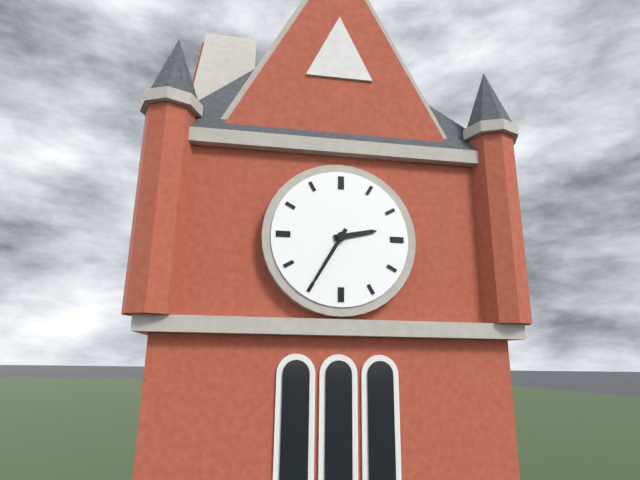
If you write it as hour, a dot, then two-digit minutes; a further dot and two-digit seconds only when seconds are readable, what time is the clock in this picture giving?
2.35
